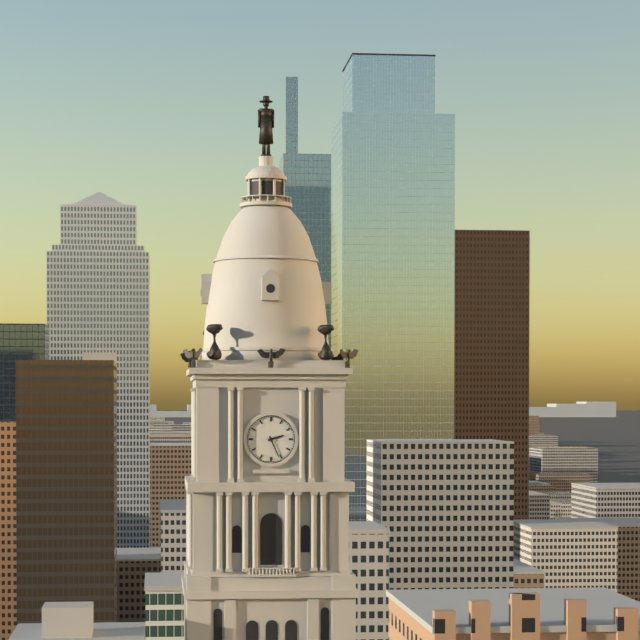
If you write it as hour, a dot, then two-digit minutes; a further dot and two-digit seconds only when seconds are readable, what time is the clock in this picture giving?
2.26
